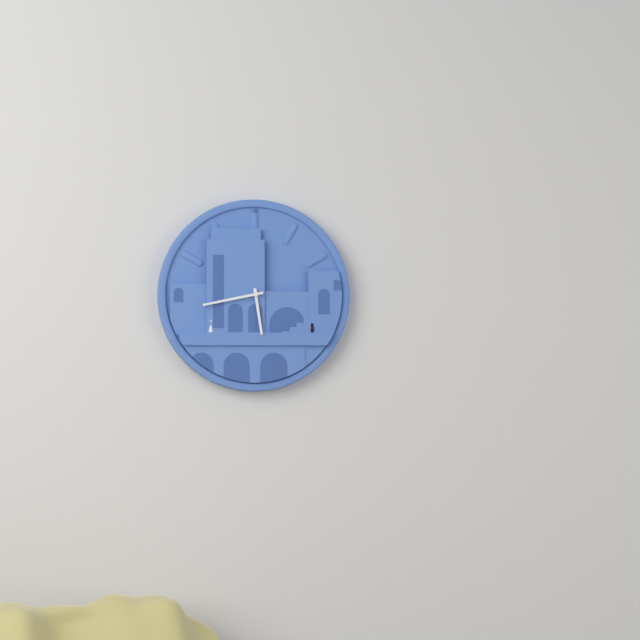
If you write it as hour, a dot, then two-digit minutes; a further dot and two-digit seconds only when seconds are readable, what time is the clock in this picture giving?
5.43
